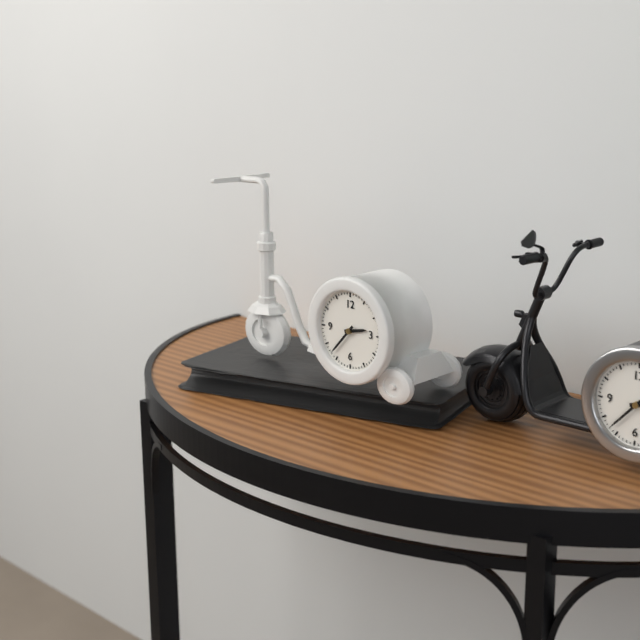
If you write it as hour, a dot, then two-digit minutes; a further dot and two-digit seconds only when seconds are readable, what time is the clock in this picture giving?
2.37
